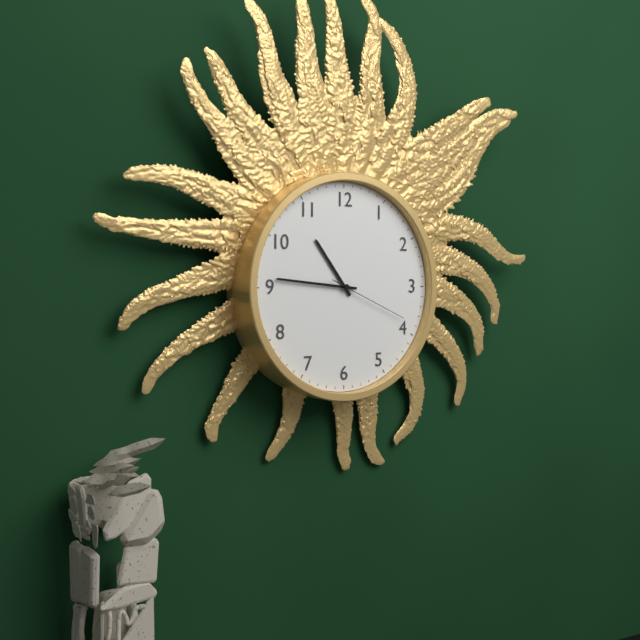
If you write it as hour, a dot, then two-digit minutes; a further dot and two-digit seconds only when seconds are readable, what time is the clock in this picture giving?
10.46.19
